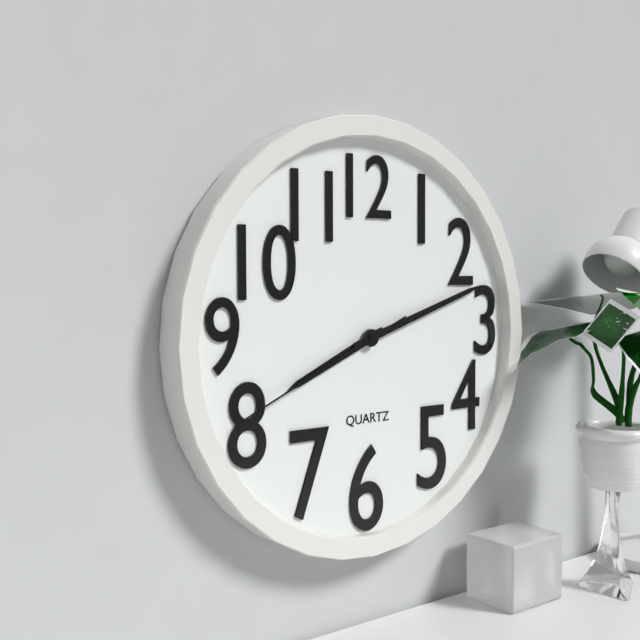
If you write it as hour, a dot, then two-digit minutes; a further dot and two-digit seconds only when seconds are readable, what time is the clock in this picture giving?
8.12.41
